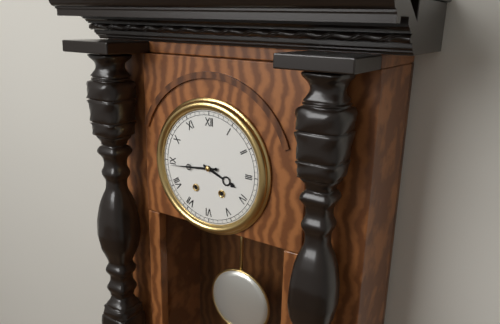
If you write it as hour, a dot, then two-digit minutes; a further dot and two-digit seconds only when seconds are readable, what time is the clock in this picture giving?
3.44
